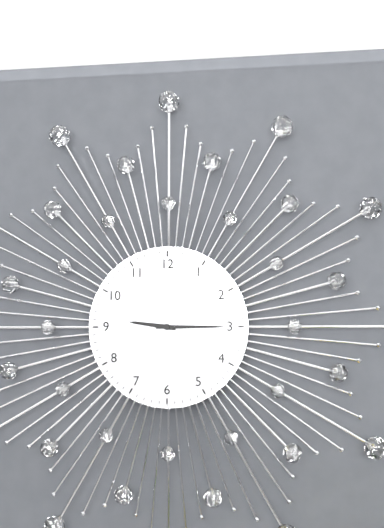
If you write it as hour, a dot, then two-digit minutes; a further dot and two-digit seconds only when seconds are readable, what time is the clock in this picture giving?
9.15
